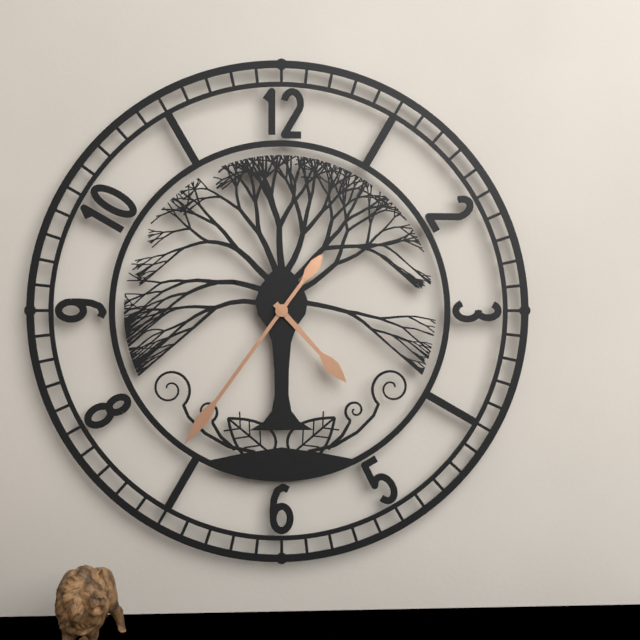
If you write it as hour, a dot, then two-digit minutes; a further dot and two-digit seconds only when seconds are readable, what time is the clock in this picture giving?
4.36
